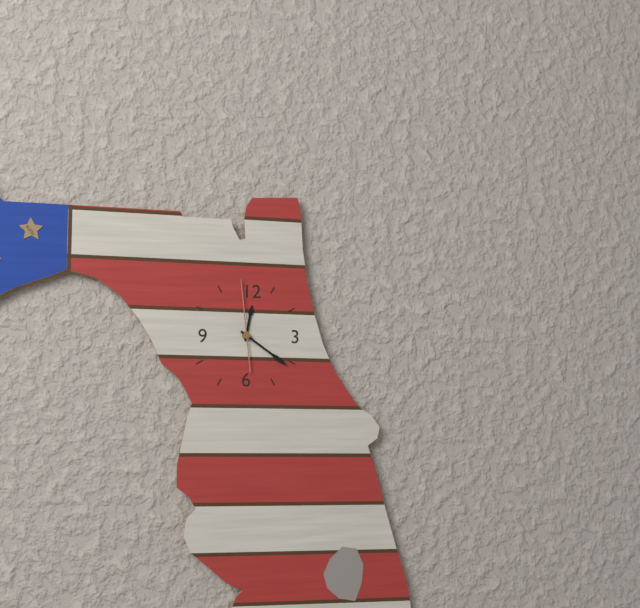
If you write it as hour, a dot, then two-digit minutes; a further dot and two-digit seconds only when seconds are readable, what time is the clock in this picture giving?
12.21.59
